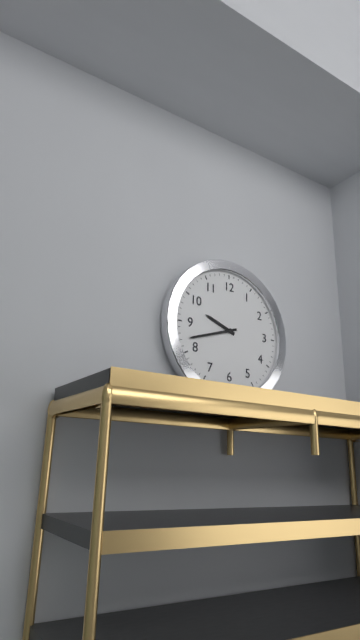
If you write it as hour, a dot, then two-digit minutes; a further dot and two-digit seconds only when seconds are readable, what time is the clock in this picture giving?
9.42
